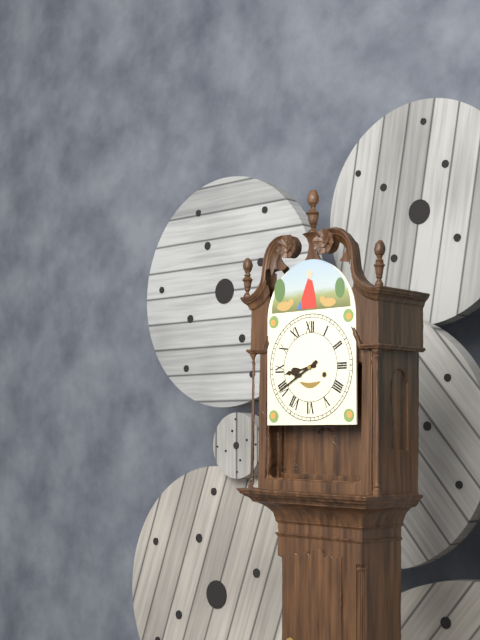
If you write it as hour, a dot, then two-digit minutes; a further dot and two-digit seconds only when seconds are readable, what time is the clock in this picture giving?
8.40
